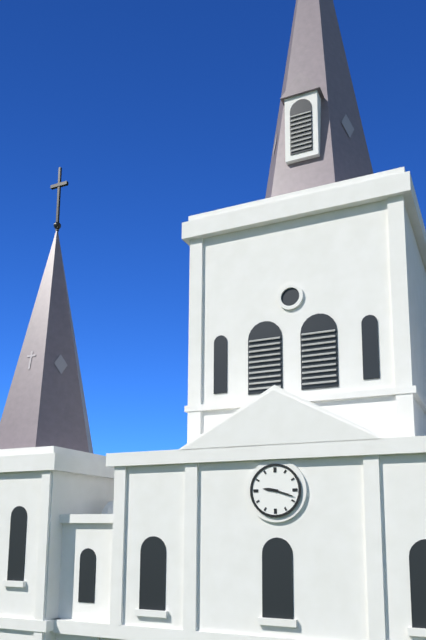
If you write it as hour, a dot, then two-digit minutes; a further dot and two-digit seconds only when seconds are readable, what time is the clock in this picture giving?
9.18
